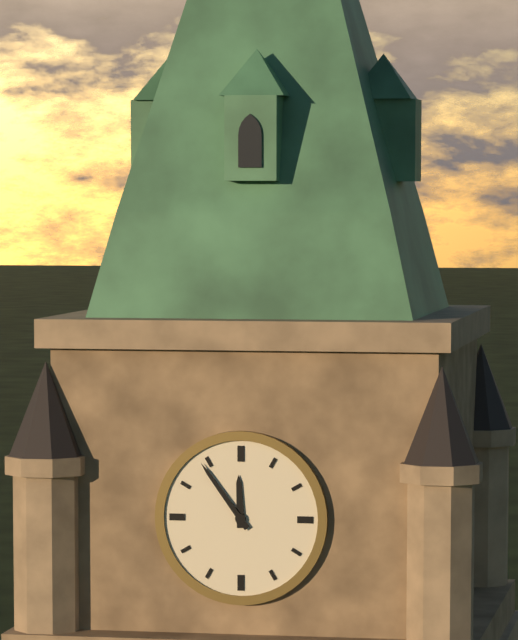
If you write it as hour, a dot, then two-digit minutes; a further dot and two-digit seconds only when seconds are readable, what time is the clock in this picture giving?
11.54
